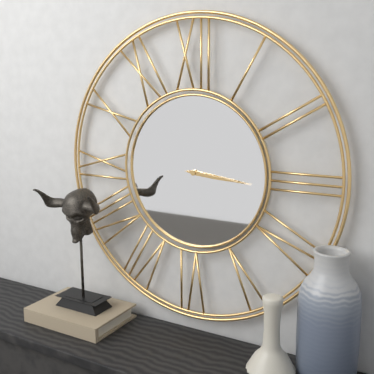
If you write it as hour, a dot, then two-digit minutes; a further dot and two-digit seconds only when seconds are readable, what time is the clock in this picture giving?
3.16
